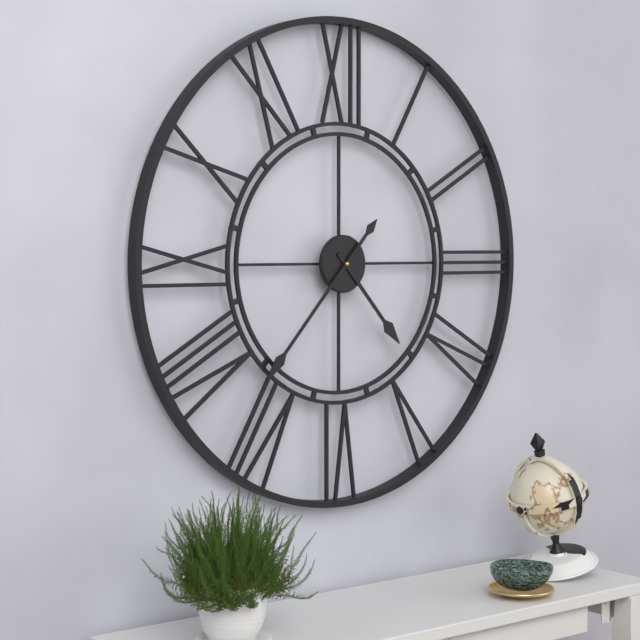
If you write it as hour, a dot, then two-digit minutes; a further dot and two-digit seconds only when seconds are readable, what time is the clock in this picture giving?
4.37
